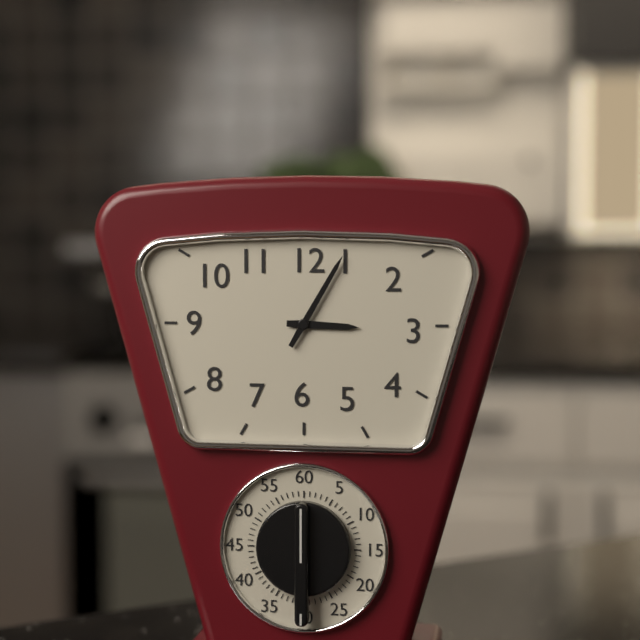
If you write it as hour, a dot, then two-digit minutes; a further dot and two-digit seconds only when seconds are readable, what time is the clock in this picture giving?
3.05
